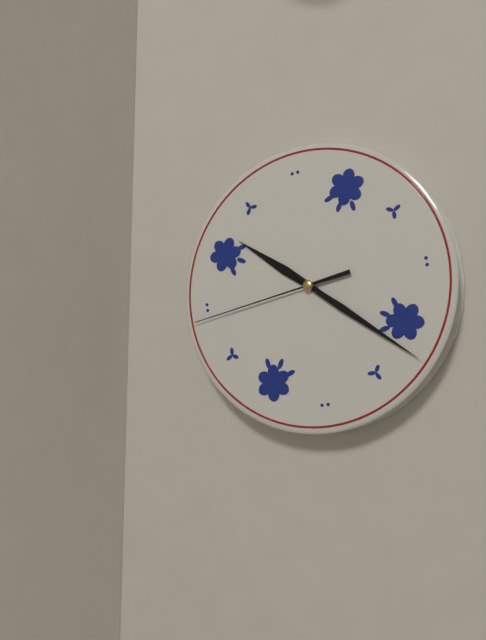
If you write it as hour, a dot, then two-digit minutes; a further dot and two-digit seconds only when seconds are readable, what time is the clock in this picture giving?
10.22.44
